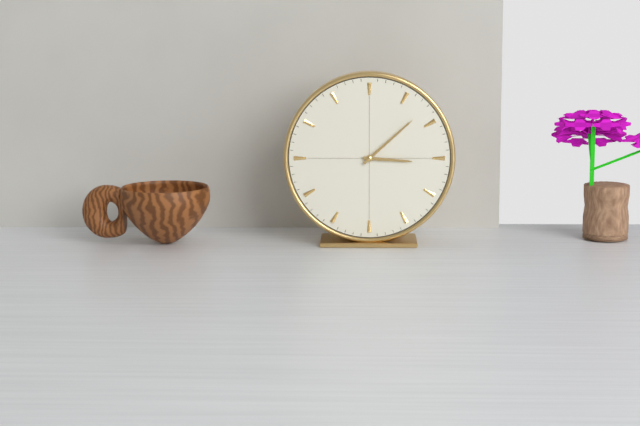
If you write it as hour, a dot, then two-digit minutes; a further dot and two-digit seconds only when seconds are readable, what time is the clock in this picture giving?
3.08
